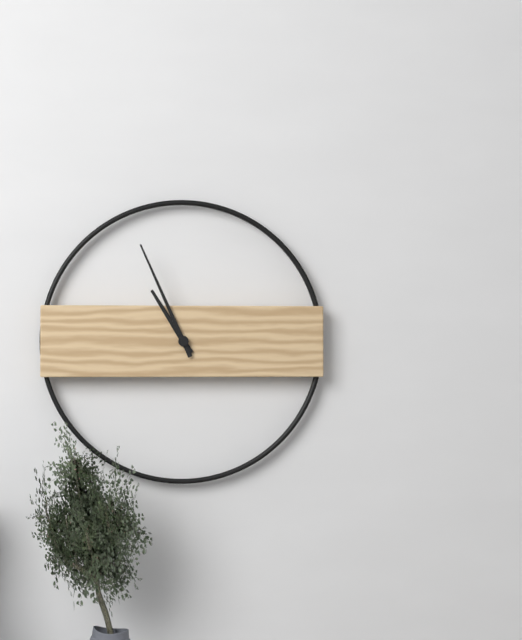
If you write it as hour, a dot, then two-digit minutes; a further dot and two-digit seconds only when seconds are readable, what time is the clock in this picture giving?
10.56
